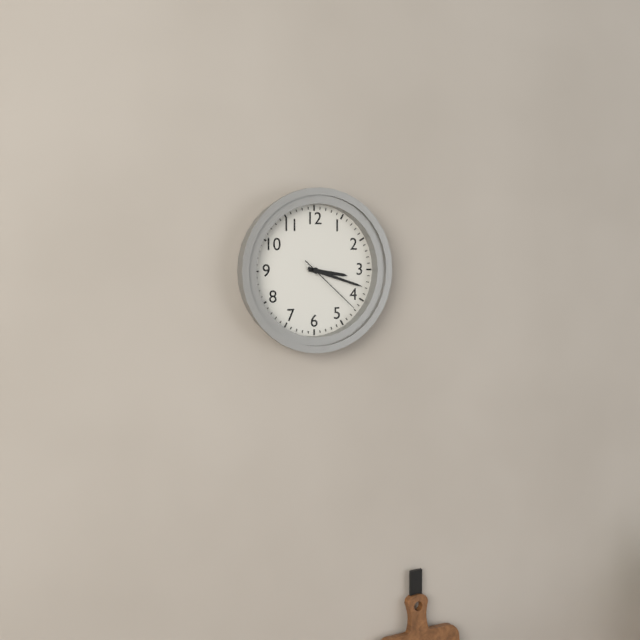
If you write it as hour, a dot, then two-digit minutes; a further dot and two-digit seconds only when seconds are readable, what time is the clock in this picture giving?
3.18.22
